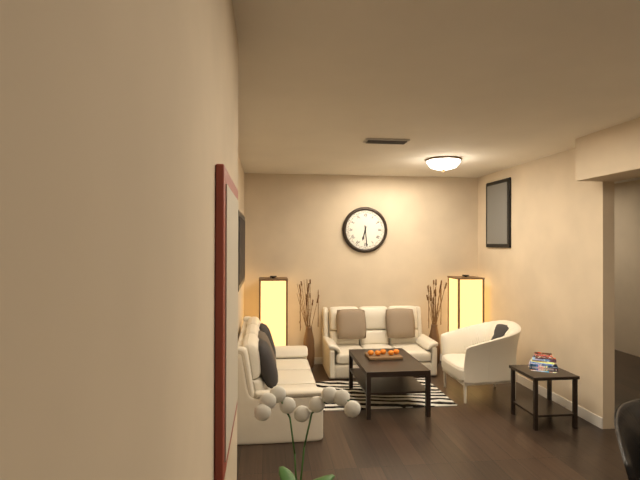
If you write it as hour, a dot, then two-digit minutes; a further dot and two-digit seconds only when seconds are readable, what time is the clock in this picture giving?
6.29
